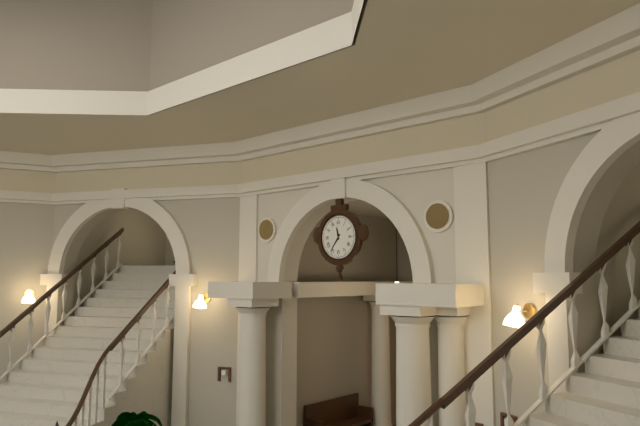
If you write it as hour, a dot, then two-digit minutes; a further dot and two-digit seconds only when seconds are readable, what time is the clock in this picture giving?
11.36
